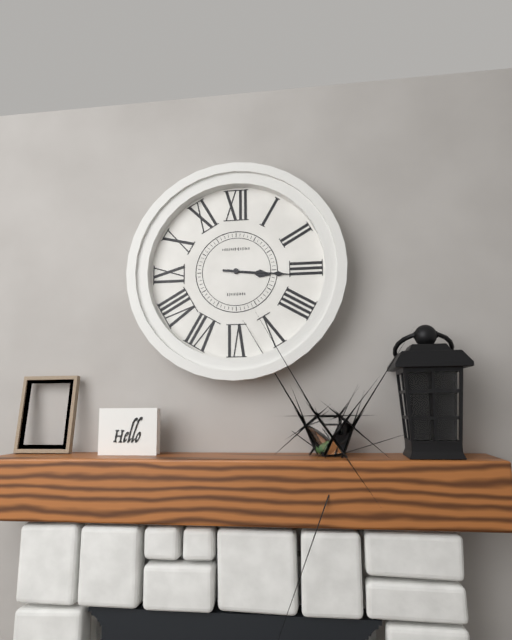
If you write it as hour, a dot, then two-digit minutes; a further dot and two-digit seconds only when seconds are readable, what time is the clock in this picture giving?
3.16
